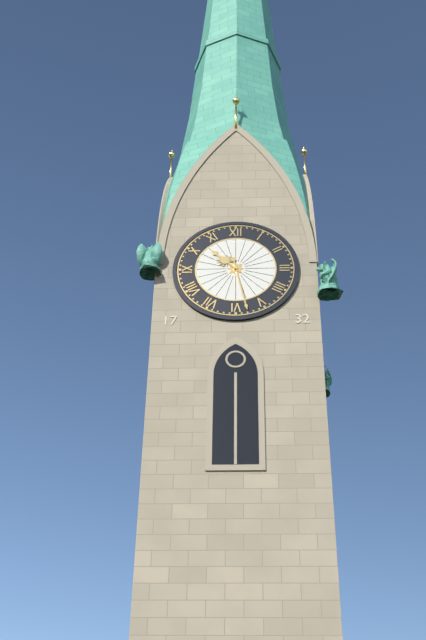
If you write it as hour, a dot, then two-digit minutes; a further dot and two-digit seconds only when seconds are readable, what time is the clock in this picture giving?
10.28
